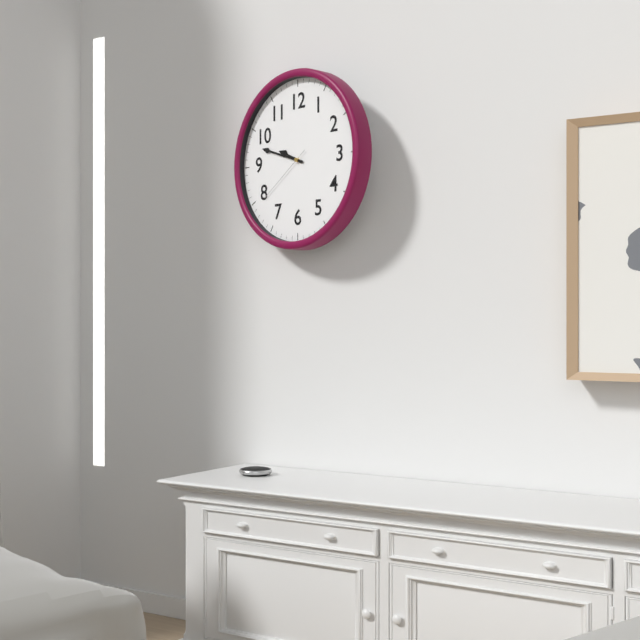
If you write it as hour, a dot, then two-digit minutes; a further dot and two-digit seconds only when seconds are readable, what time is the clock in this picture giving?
9.48.39
